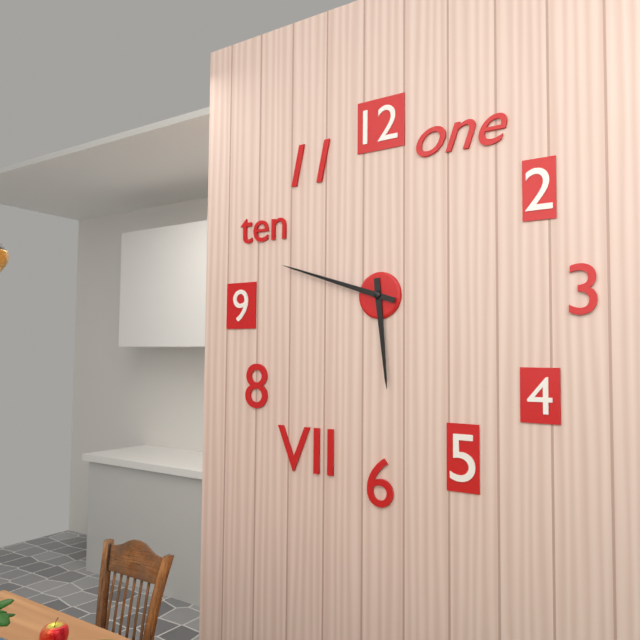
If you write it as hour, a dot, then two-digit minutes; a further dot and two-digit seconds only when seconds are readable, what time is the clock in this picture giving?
5.48
